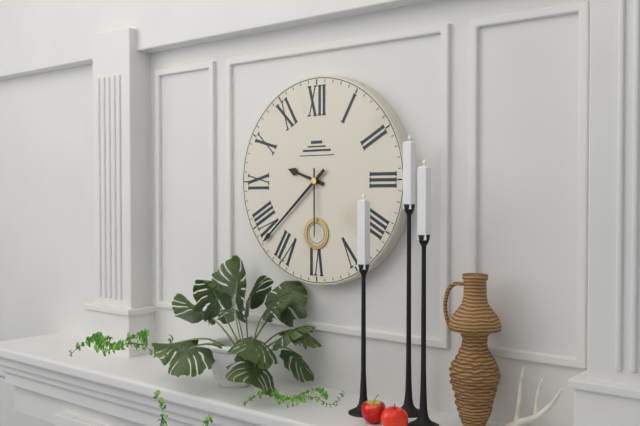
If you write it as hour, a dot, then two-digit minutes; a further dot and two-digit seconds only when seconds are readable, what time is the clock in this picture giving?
9.38.30
